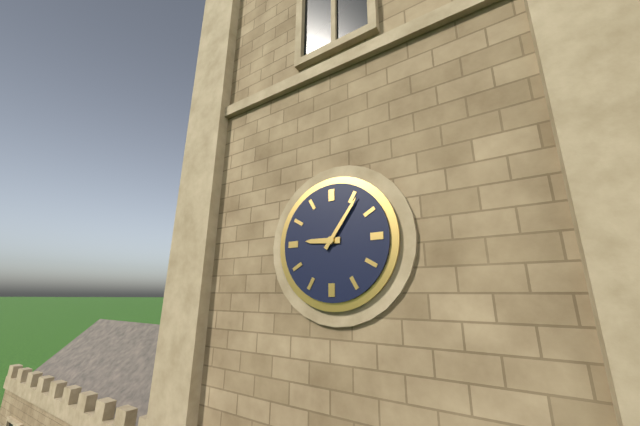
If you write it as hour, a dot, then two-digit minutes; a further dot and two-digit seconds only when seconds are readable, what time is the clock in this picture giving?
9.06
